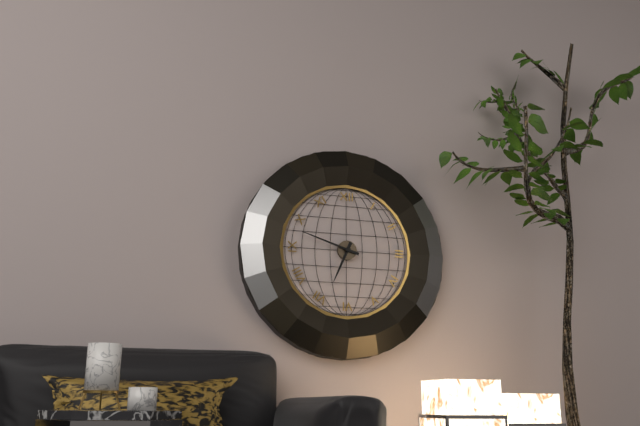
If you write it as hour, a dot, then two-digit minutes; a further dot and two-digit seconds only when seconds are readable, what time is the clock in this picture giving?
6.48
